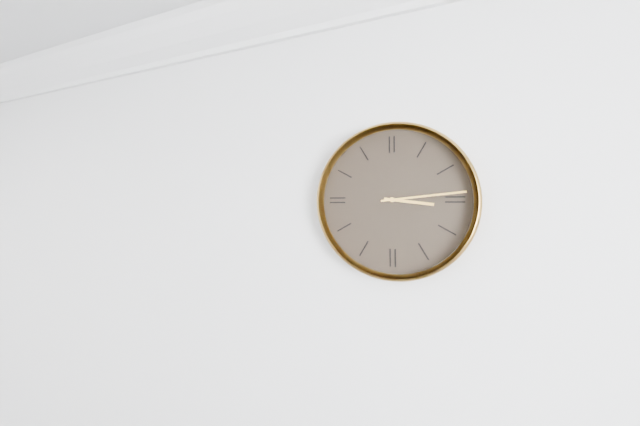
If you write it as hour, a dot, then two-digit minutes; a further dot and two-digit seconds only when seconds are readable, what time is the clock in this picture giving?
3.14
